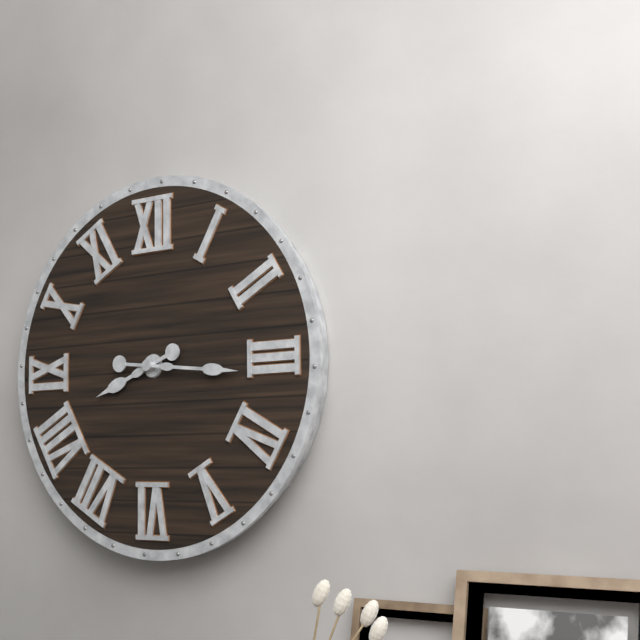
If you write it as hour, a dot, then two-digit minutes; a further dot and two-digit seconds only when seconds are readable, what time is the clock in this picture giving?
8.16
